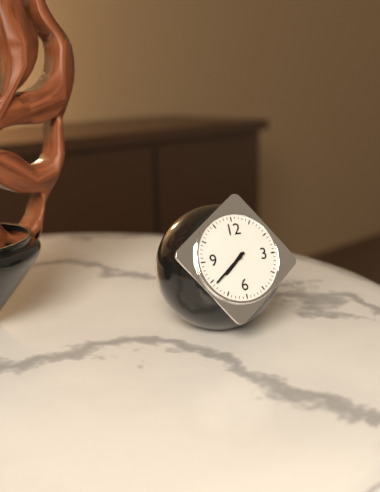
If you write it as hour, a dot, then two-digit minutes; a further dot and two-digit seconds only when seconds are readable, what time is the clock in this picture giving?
7.39
